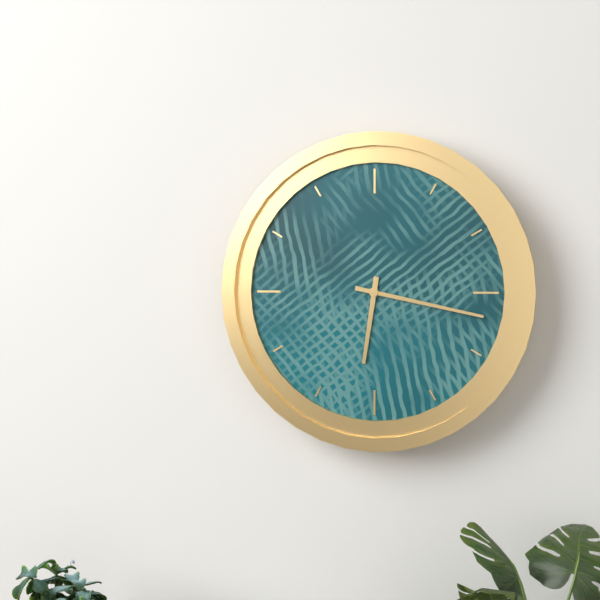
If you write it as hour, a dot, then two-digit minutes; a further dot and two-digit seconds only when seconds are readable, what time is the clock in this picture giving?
6.17
